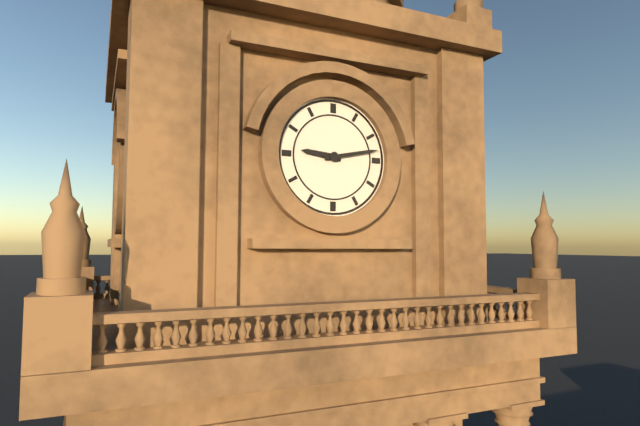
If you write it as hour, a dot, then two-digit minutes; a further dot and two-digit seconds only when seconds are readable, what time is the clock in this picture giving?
9.13
